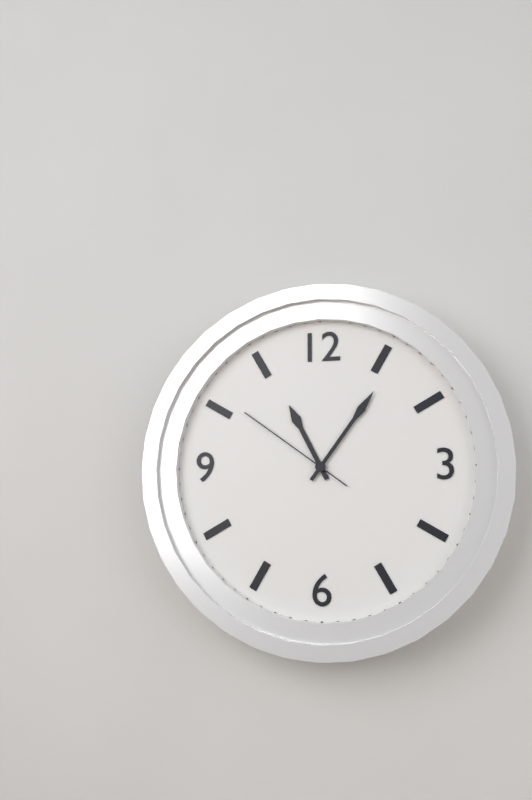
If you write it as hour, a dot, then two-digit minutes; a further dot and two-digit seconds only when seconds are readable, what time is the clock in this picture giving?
11.06.51
